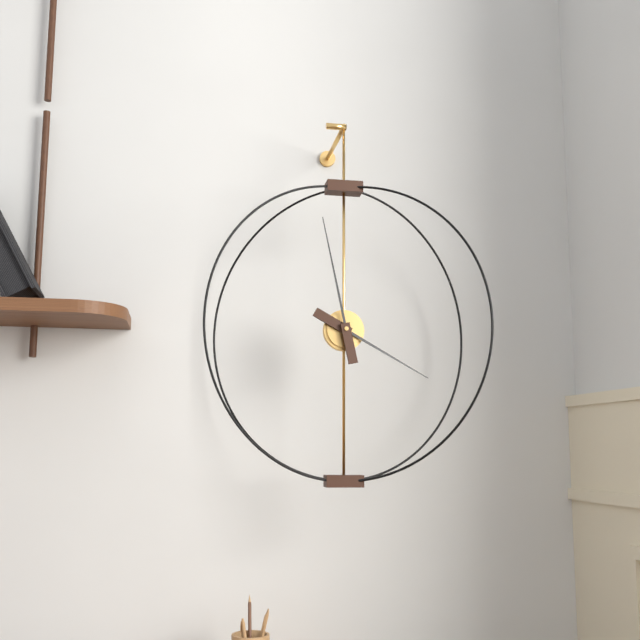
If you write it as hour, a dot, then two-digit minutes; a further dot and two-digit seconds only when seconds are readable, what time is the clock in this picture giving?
3.58
